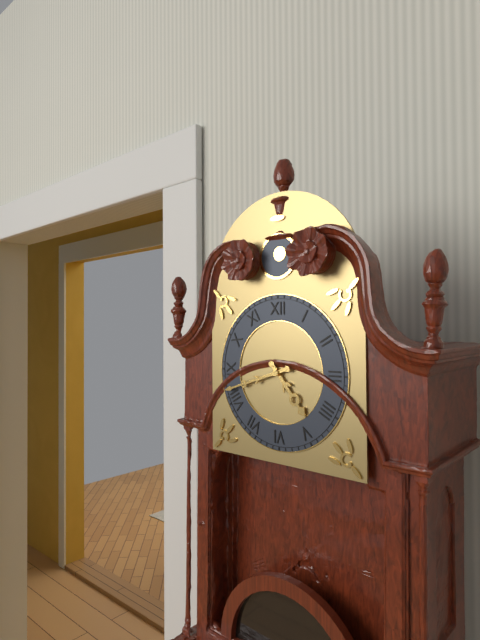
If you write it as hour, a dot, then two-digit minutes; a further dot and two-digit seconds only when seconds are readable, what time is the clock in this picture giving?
4.42
